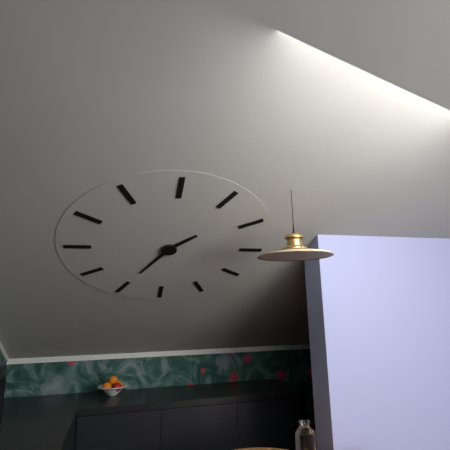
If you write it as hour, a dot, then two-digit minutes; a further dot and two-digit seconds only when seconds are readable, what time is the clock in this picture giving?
1.35
